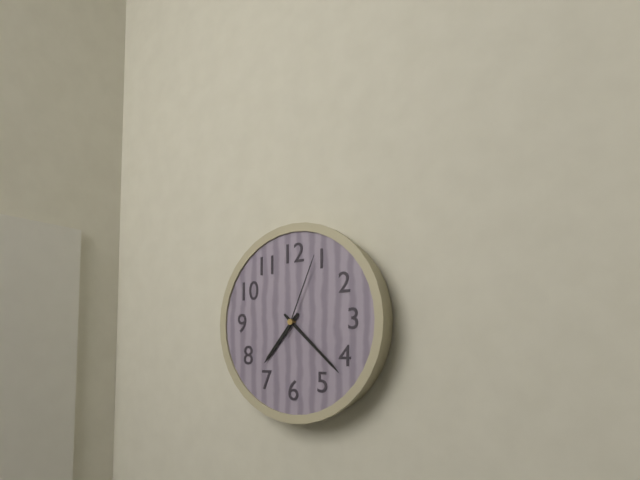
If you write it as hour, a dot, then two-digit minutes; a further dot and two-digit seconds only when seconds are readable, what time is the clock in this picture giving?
7.22.04
